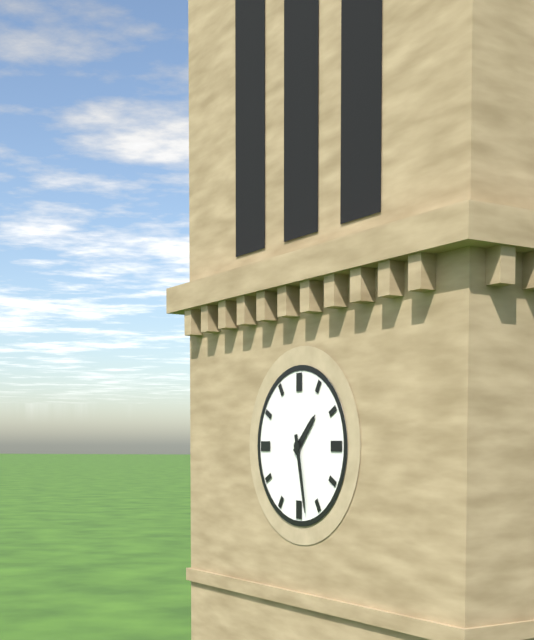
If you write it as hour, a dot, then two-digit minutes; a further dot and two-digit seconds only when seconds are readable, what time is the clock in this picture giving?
1.28
